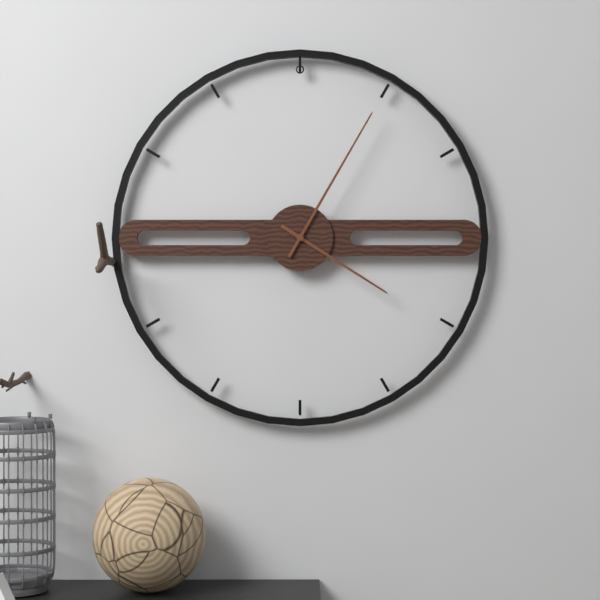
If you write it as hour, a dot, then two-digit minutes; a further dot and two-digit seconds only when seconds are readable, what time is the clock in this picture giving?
4.05
